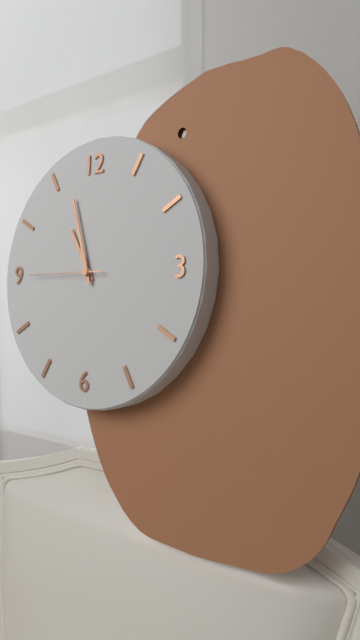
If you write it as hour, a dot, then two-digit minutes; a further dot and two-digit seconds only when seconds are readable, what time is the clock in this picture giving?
10.57.45
